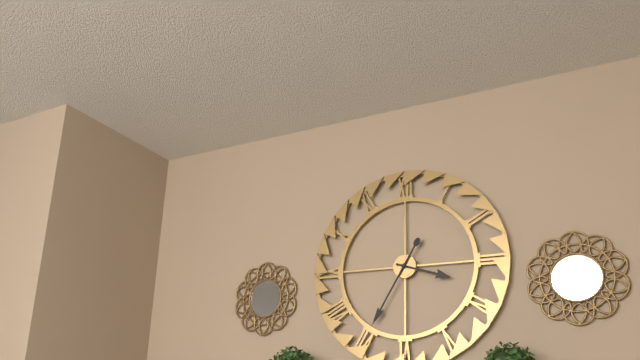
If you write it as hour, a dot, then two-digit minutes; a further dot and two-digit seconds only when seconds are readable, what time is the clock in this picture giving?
3.35
